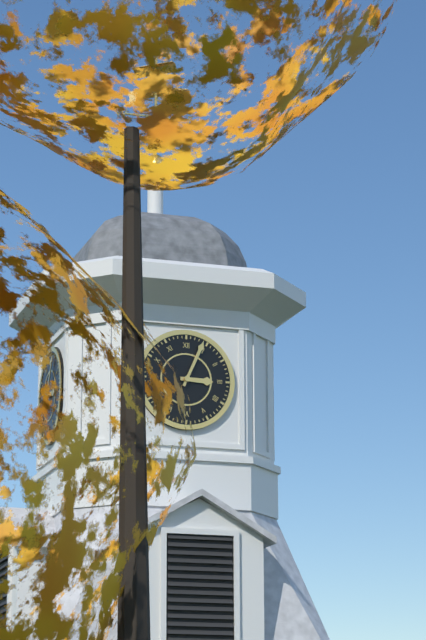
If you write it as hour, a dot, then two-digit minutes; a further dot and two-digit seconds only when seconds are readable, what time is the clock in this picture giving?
3.04
